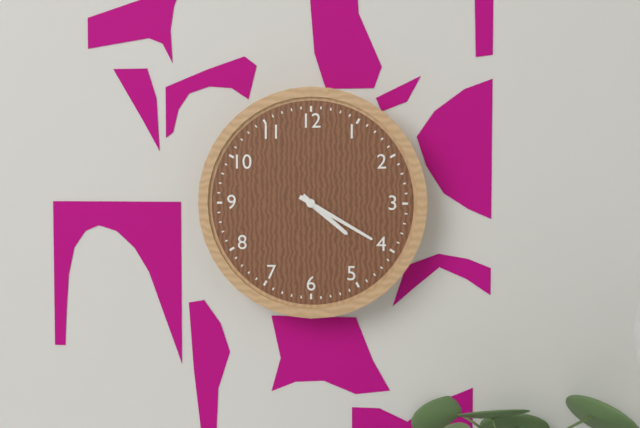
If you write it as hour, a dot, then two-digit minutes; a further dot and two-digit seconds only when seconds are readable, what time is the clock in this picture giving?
4.20
